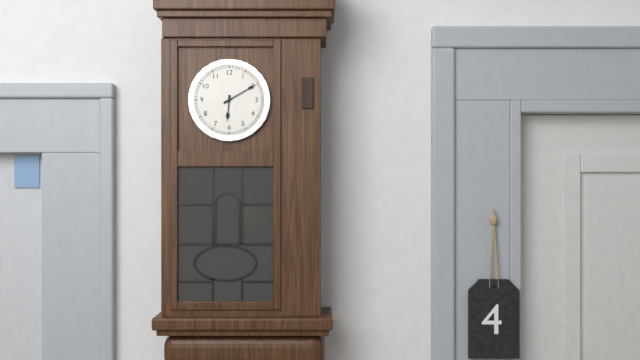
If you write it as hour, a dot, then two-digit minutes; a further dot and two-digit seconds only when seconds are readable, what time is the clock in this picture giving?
6.10
